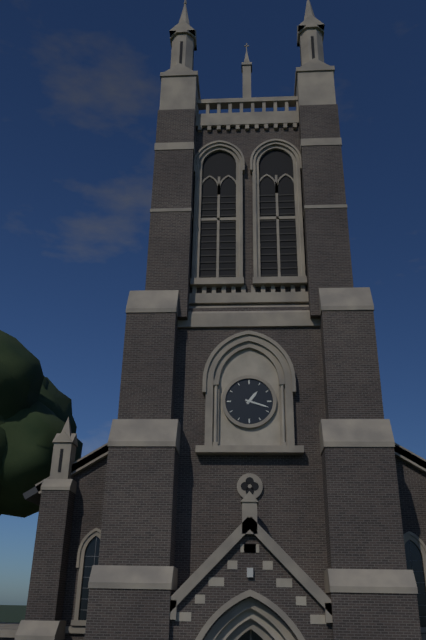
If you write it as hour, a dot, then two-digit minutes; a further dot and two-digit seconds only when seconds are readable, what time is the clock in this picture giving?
1.18
